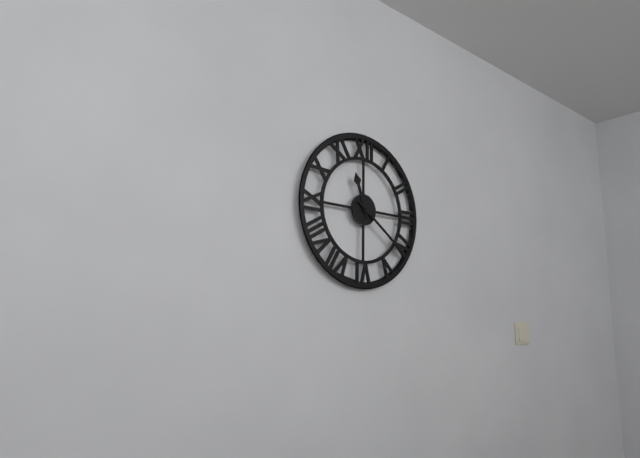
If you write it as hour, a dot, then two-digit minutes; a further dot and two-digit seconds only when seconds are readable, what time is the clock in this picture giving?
11.21
